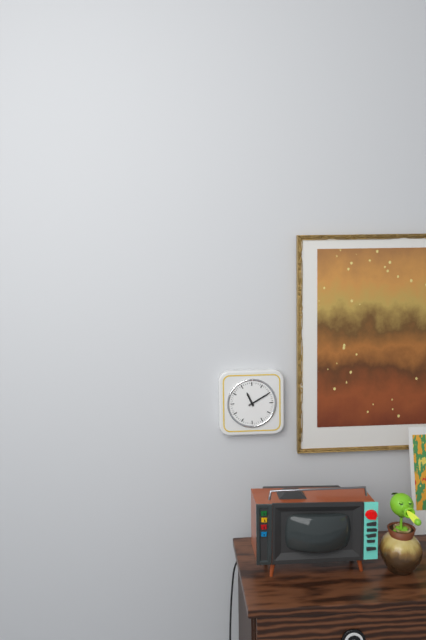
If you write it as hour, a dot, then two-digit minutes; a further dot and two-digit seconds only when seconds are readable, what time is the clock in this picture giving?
11.10
